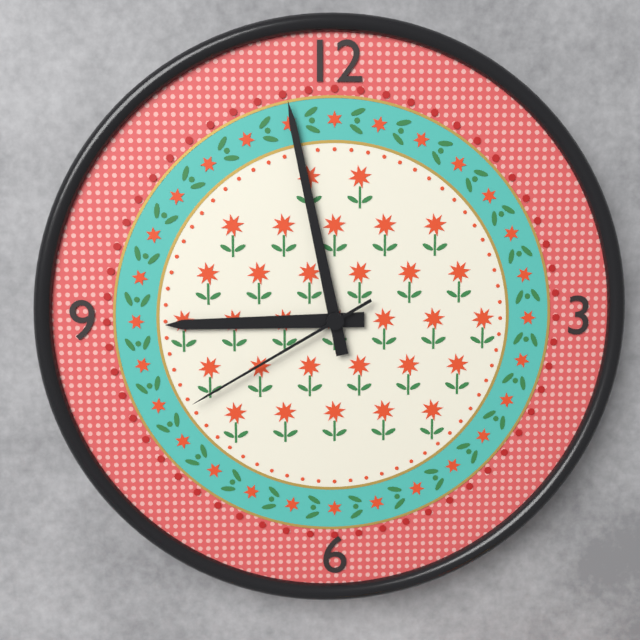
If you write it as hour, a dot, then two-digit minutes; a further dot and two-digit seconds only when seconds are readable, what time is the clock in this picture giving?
8.58.40
